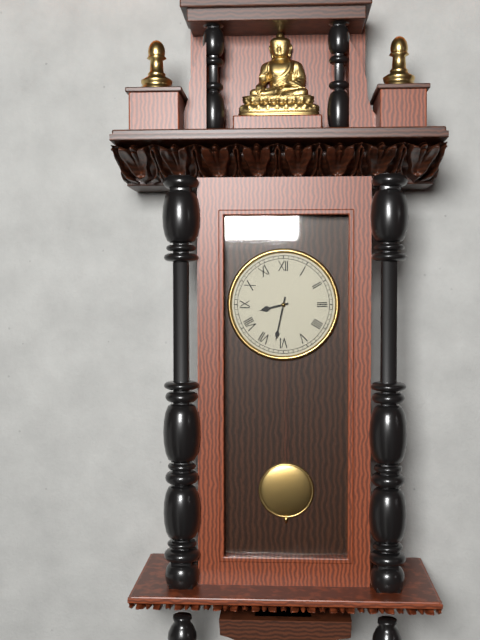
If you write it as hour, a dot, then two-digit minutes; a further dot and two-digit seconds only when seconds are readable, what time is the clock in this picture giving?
8.32
